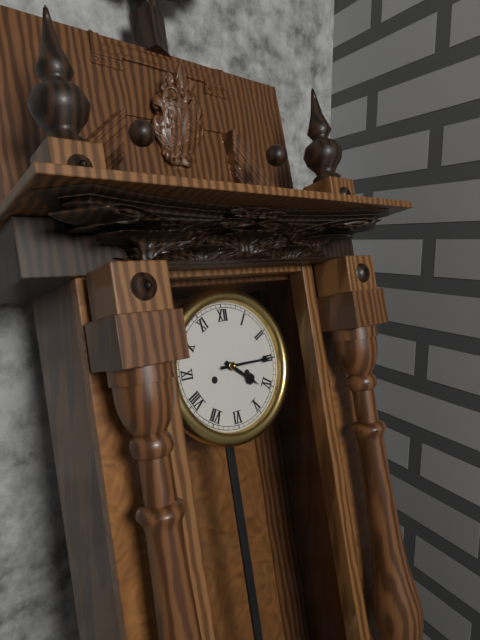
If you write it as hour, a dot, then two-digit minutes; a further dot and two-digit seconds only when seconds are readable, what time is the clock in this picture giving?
4.15
